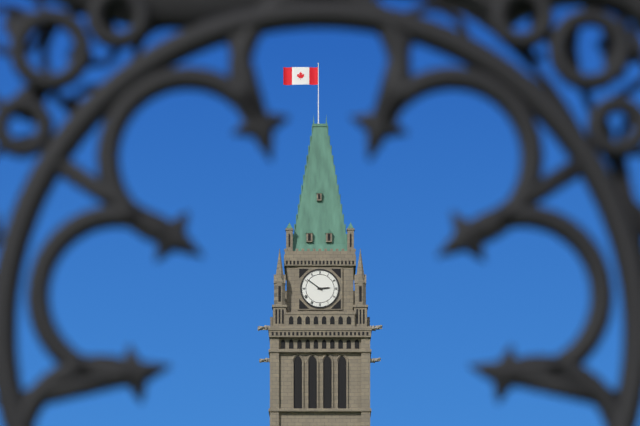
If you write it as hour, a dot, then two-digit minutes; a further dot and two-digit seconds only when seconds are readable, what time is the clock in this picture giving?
2.51
